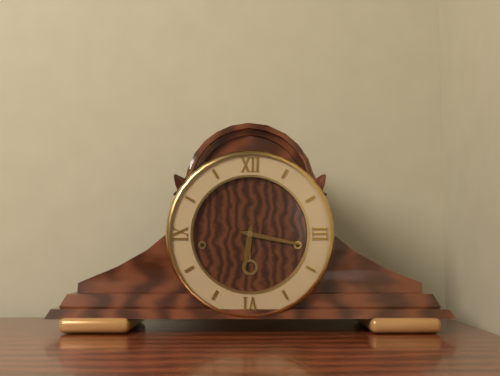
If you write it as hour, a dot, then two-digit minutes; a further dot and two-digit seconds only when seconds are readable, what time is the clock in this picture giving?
6.17
